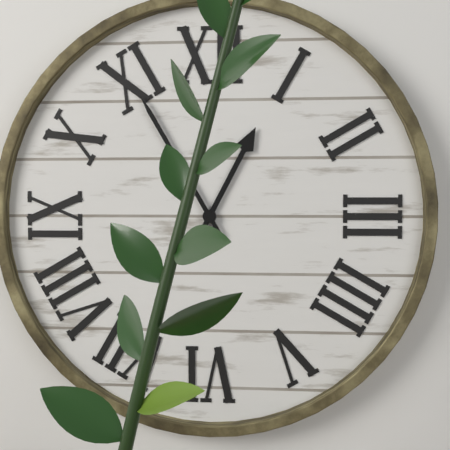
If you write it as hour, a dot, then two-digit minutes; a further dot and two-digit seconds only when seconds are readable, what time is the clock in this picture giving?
12.55
